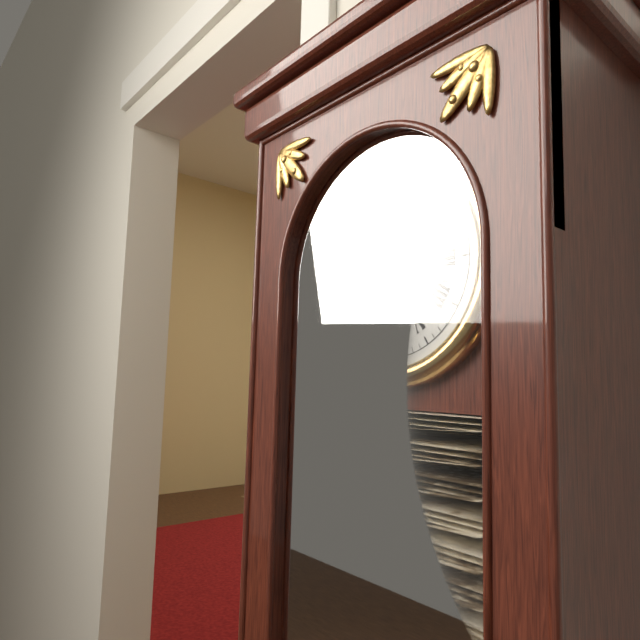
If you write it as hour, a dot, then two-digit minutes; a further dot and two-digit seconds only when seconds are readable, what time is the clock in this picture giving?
4.18
